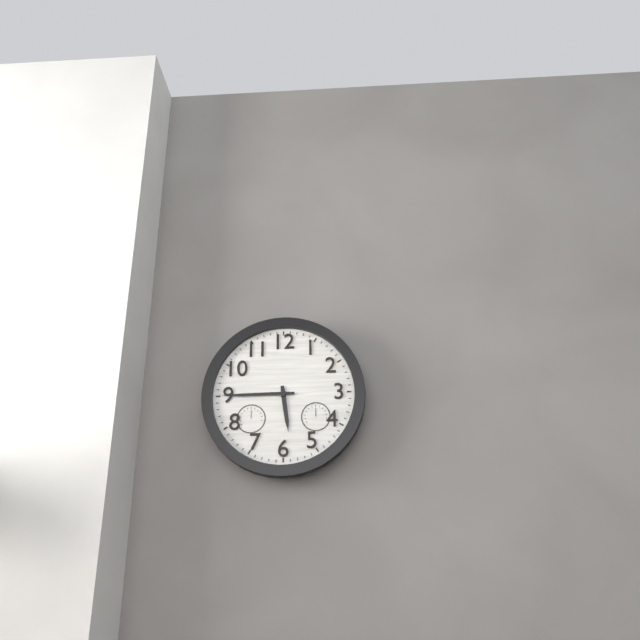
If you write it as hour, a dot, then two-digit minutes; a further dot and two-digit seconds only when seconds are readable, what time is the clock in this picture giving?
5.45
